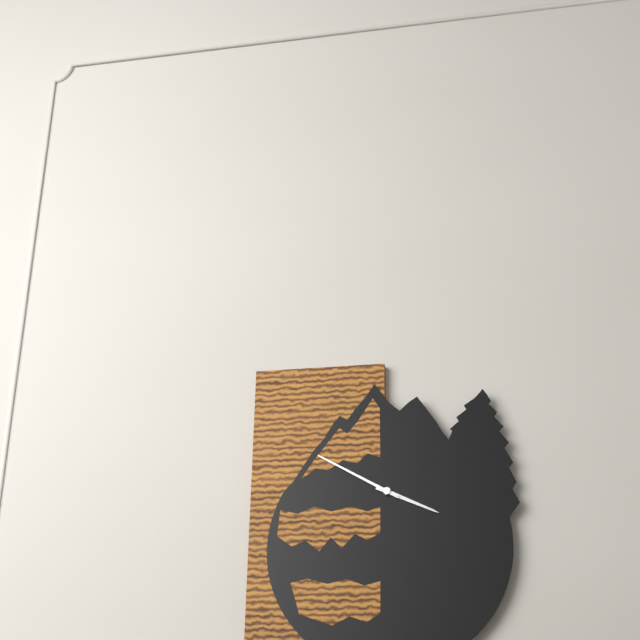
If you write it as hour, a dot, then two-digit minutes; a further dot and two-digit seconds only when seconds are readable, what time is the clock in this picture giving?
3.50
